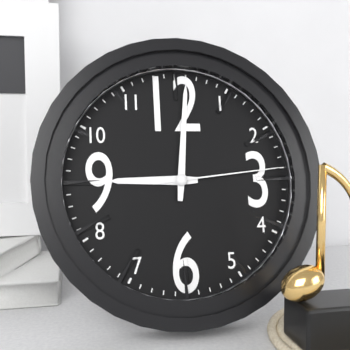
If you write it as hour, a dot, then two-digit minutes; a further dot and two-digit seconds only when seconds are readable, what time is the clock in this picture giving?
9.01.14
